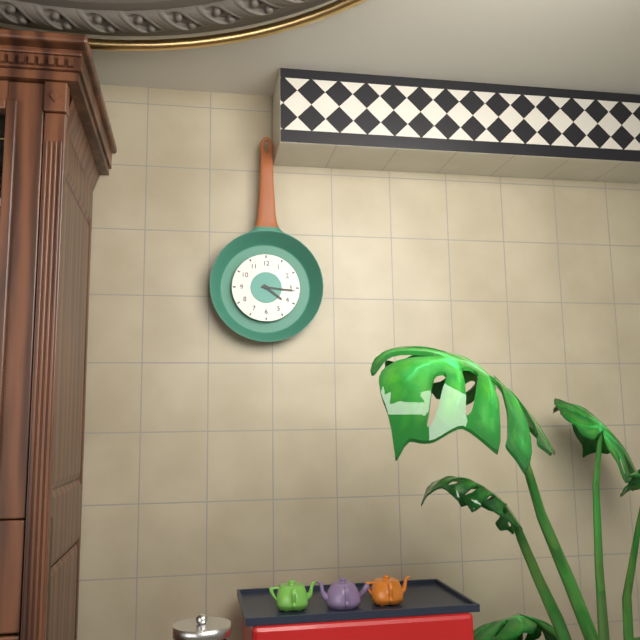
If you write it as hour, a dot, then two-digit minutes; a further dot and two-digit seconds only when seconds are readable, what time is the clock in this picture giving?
4.16
